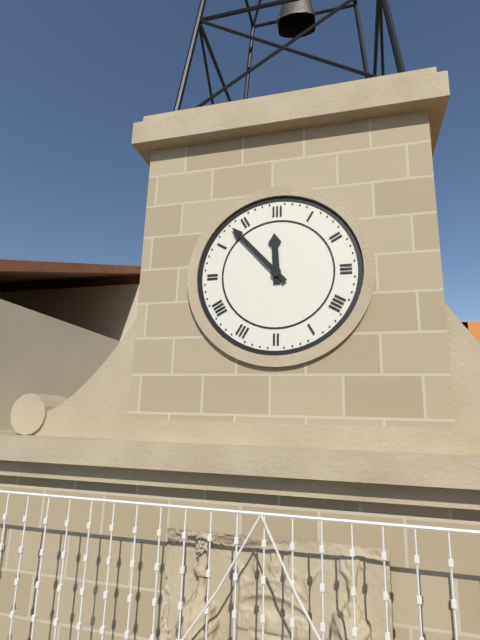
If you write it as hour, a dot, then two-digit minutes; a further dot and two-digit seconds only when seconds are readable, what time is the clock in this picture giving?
11.53
